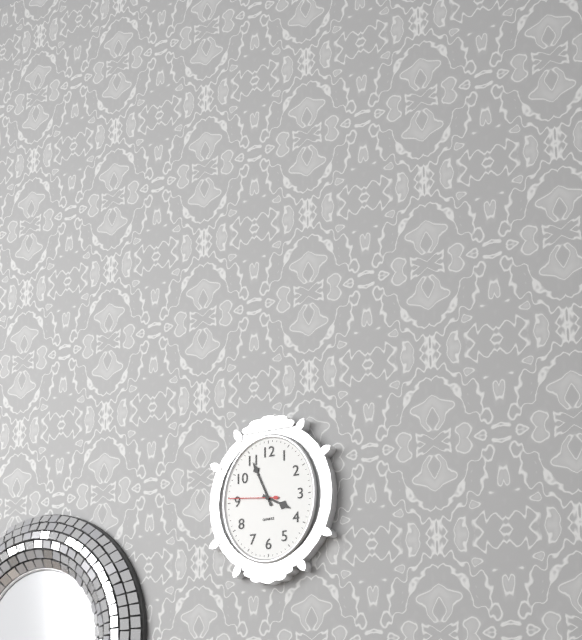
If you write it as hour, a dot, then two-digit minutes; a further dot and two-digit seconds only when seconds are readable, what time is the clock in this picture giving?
3.56
